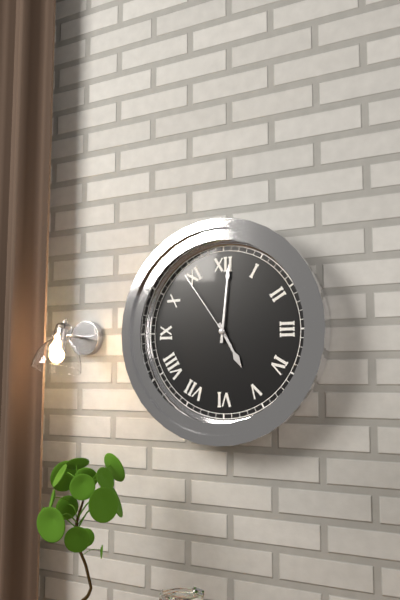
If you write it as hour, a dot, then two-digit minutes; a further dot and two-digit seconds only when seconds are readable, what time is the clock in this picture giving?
5.01.54
